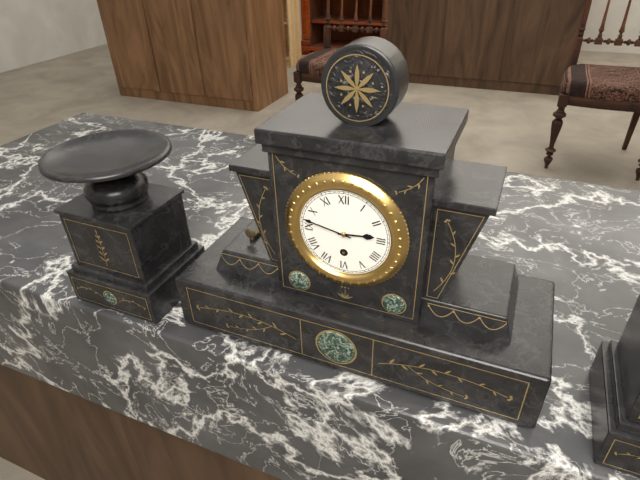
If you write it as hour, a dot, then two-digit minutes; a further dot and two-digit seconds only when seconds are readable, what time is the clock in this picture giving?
2.47
